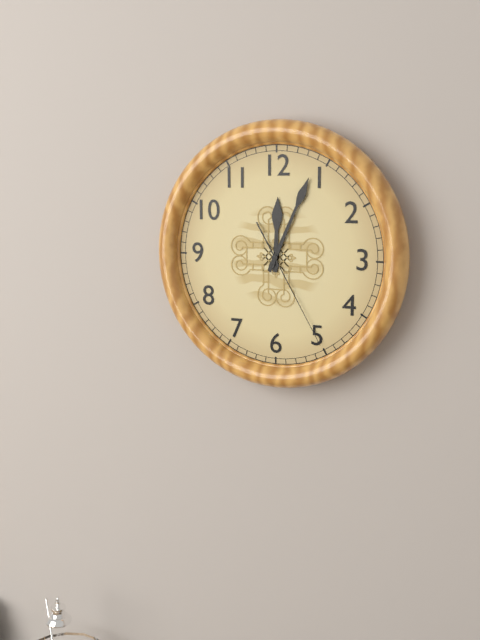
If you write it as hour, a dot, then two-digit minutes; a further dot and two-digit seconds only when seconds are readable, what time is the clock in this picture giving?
12.04.25
